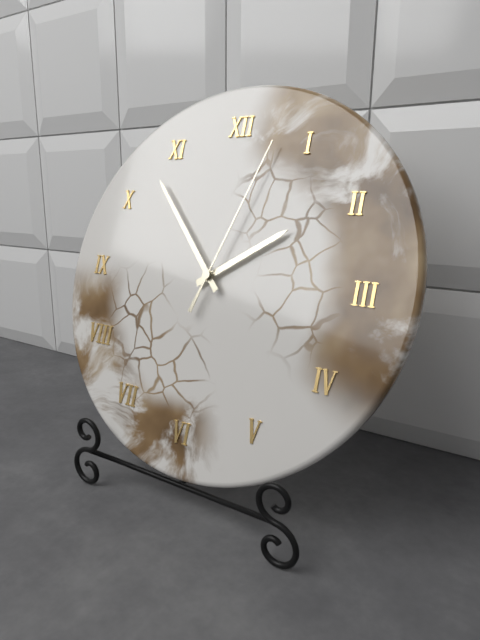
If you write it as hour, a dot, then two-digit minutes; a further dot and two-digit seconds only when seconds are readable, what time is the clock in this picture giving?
1.53.03
